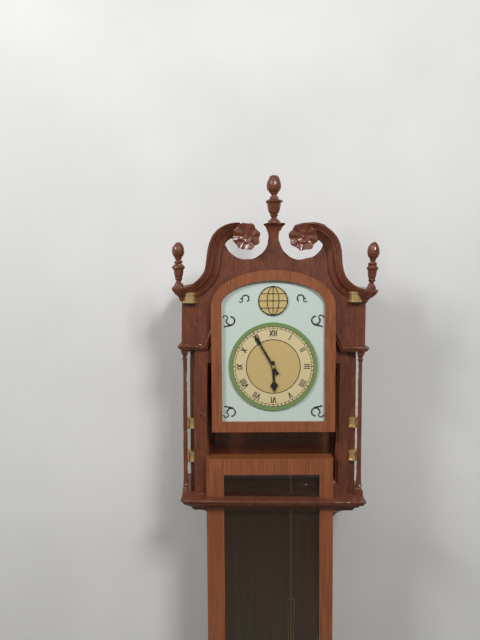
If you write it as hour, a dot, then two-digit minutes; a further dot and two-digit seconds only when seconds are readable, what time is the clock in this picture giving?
5.55
